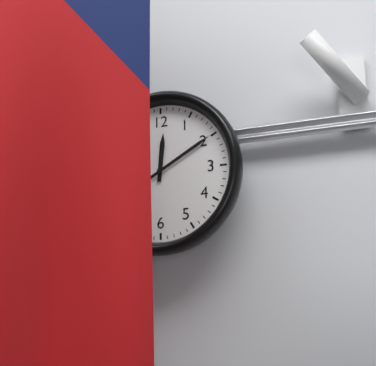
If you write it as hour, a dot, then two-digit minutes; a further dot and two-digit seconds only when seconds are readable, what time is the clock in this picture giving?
12.10
